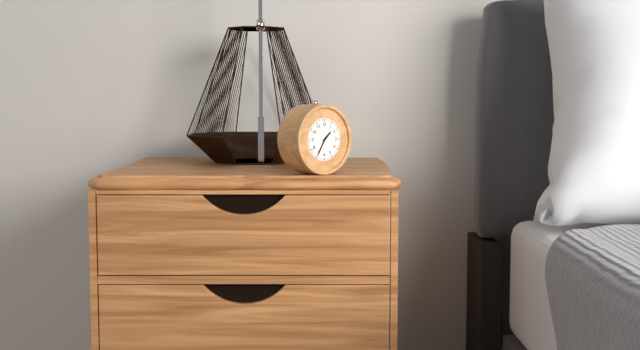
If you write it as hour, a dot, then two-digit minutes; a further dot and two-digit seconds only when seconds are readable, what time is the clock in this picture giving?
1.35
